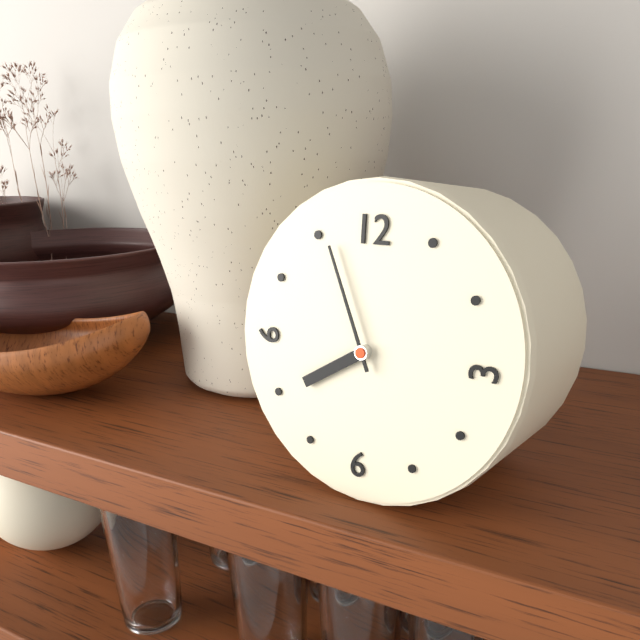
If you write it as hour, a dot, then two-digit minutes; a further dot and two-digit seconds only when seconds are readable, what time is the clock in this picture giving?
7.56
